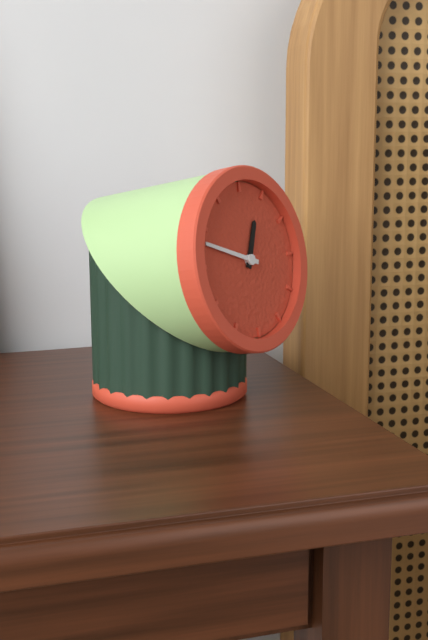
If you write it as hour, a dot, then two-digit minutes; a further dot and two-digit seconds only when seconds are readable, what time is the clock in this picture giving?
12.48
